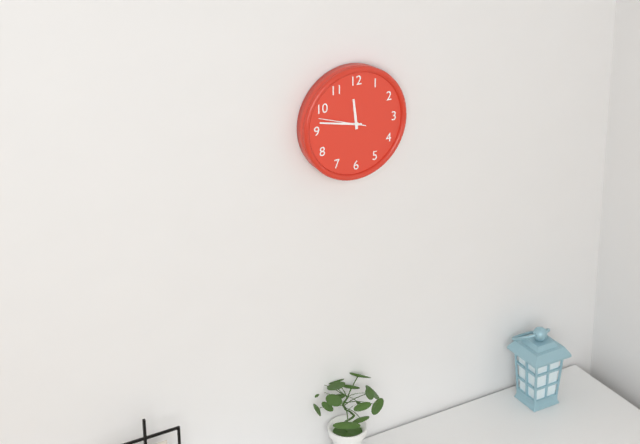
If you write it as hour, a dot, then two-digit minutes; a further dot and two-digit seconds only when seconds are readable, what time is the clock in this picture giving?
11.47
